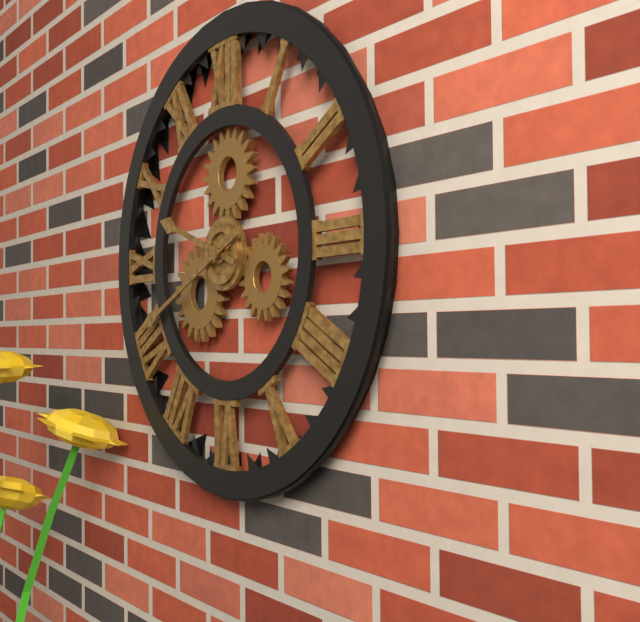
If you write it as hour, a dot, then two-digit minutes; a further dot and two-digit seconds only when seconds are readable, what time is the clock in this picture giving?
9.41
